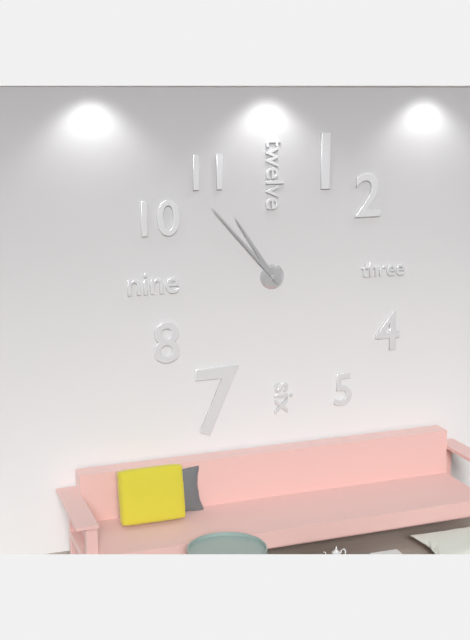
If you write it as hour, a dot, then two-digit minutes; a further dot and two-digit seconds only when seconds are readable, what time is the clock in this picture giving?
10.53
